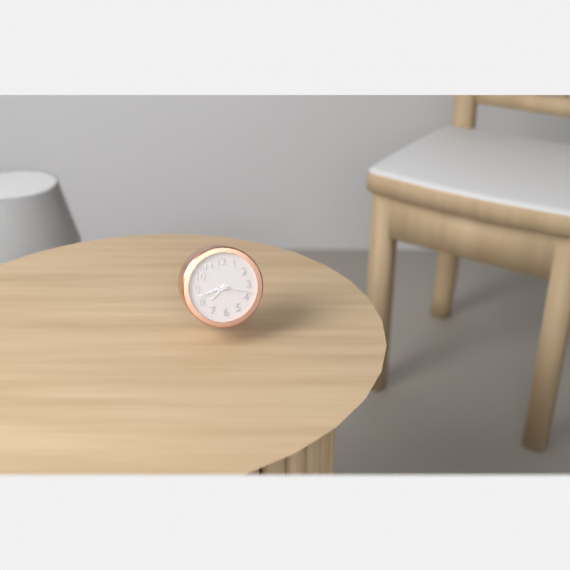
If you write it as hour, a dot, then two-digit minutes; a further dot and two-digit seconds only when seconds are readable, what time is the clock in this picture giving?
7.43
